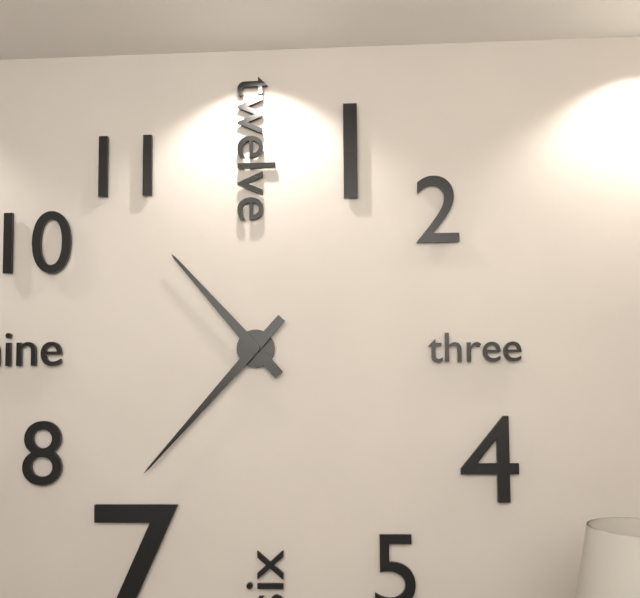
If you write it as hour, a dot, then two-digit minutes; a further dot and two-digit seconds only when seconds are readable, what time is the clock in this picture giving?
10.37
